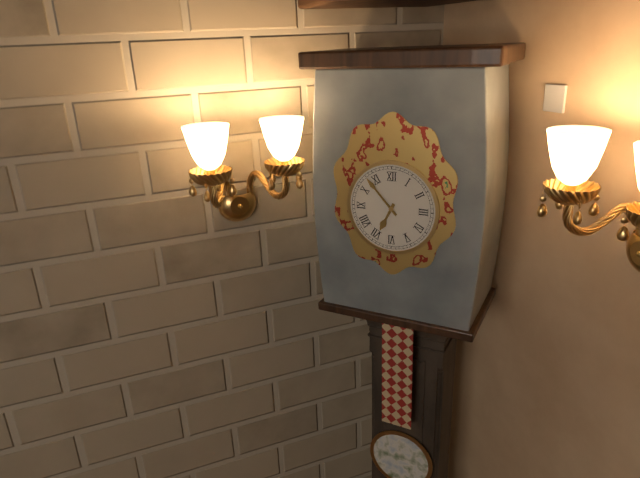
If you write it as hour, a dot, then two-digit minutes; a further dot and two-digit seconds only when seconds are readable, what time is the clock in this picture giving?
6.53
